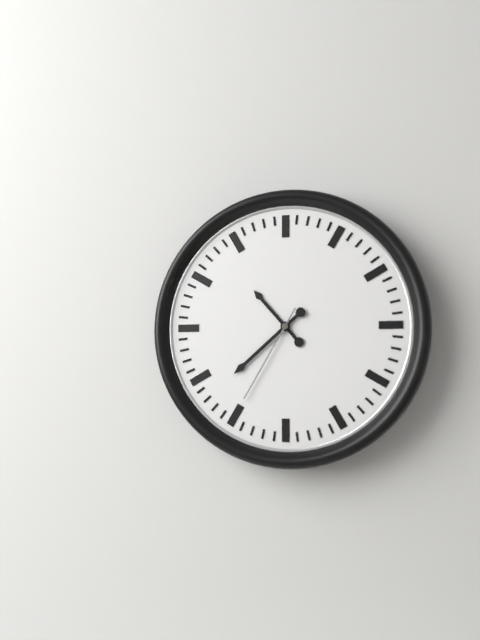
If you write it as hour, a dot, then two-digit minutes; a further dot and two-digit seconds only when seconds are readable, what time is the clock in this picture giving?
10.38.35
